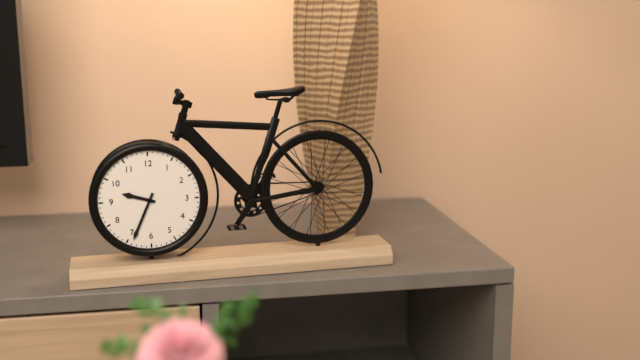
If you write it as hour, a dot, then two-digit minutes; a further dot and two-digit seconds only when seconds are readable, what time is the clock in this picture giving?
9.34
